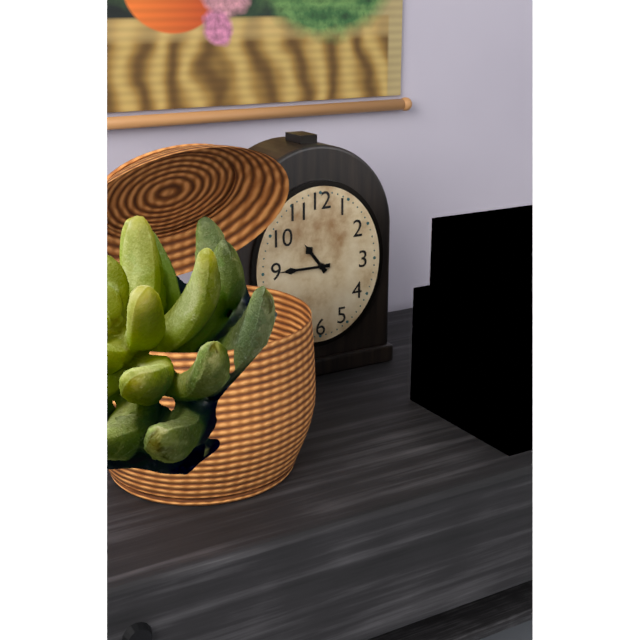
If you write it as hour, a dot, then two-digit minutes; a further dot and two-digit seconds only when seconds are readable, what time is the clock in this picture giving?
10.45
